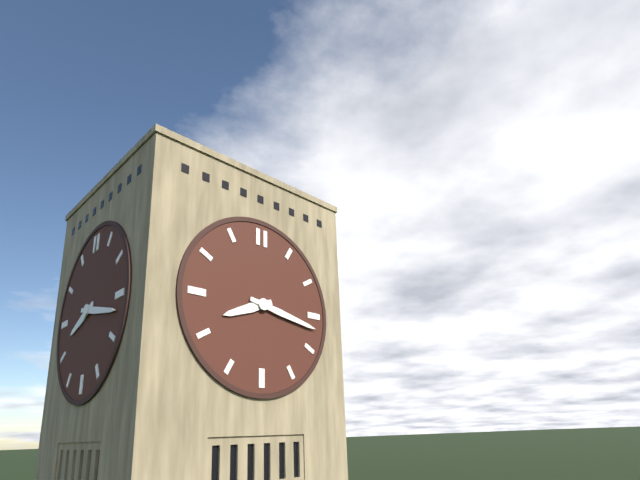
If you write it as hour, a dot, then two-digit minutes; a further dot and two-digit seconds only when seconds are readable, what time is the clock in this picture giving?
8.17
